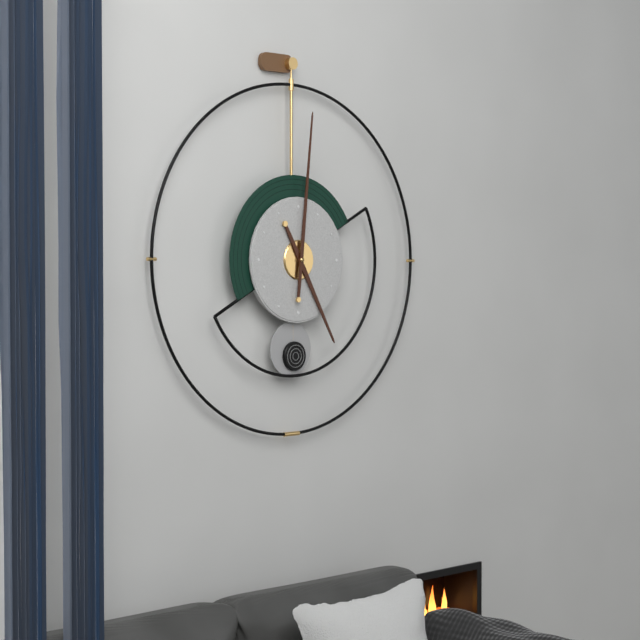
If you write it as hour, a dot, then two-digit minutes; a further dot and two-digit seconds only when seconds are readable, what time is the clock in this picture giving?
5.01
